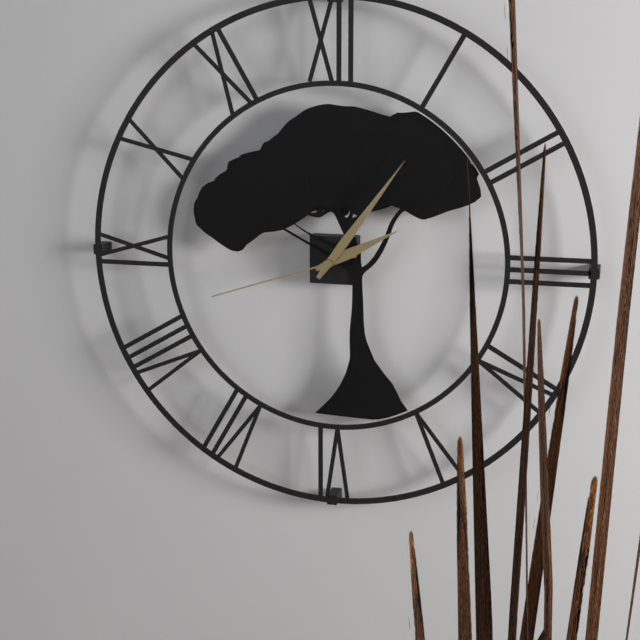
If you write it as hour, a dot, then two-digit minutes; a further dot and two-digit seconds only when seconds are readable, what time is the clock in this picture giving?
2.06.42
